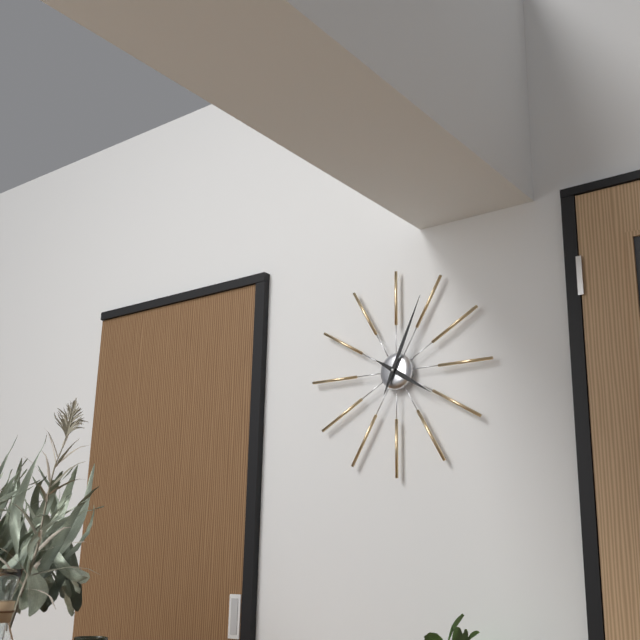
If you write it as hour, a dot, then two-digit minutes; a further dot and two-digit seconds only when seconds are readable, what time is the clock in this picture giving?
4.04
